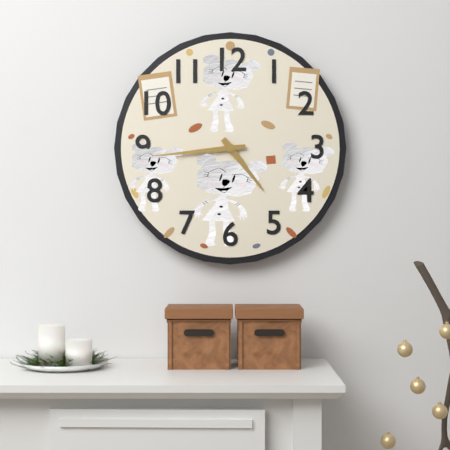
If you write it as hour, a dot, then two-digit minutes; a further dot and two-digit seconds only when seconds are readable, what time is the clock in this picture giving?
4.44
